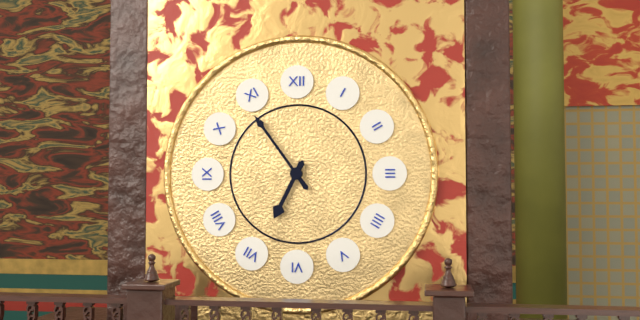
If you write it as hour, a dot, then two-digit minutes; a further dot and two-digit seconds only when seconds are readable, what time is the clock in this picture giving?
6.54
